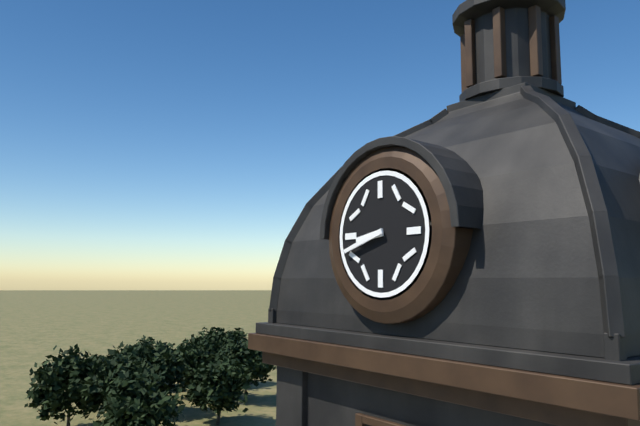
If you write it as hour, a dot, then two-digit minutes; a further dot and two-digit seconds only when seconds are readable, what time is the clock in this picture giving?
8.42
